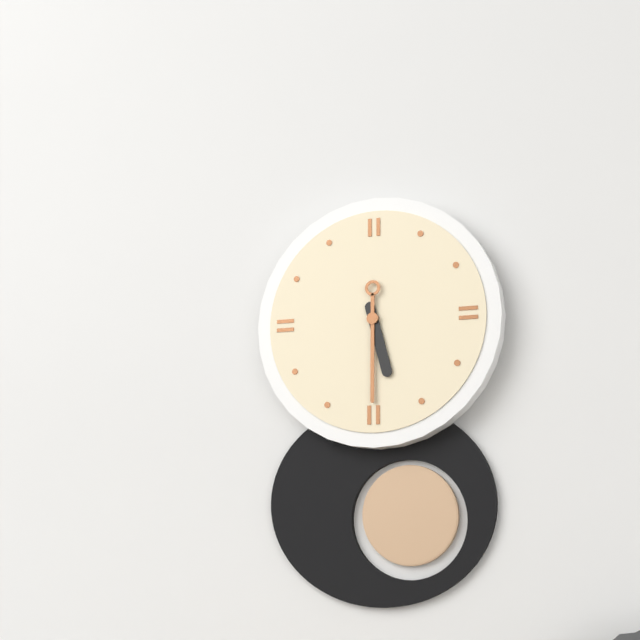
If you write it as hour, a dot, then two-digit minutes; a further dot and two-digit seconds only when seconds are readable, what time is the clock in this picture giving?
5.30
